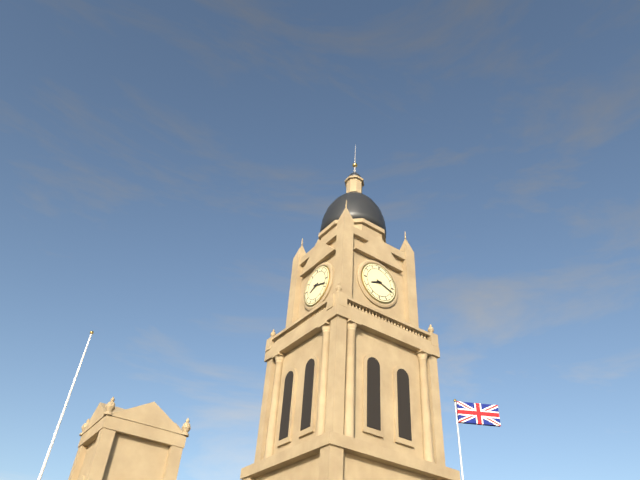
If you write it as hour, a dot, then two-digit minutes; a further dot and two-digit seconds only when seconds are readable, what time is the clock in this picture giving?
8.18
